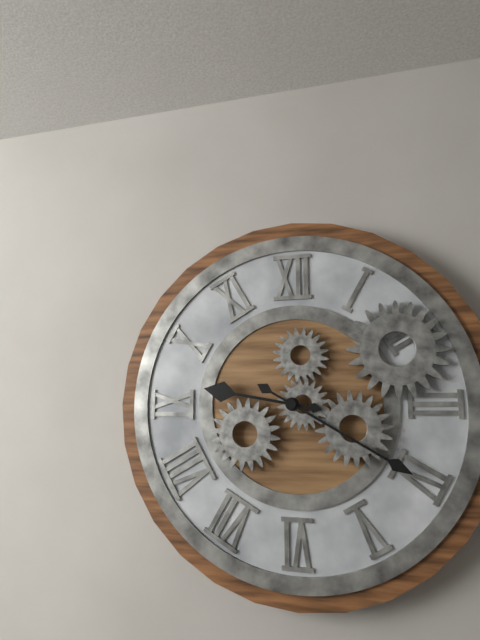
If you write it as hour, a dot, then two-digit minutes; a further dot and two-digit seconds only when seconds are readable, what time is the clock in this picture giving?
9.20
